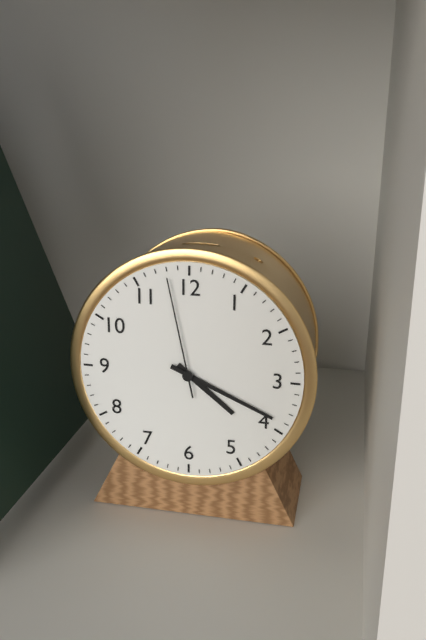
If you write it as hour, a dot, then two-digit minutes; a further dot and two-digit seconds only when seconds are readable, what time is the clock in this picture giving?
4.19.58
